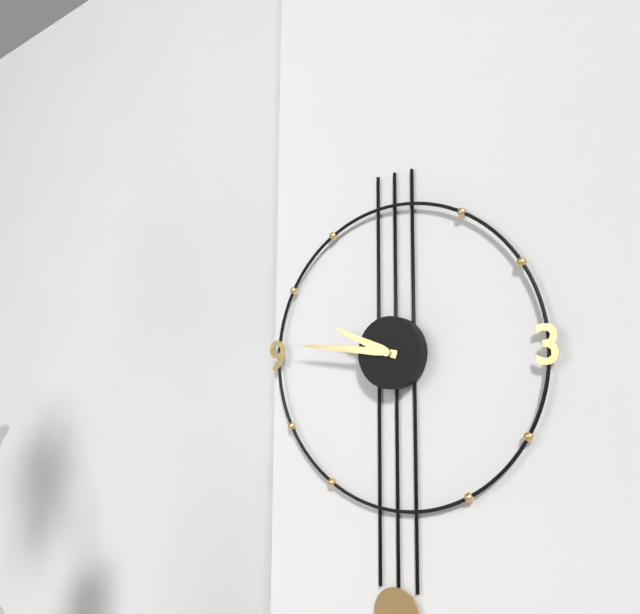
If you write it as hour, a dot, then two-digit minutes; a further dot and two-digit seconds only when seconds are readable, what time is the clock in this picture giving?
9.46
